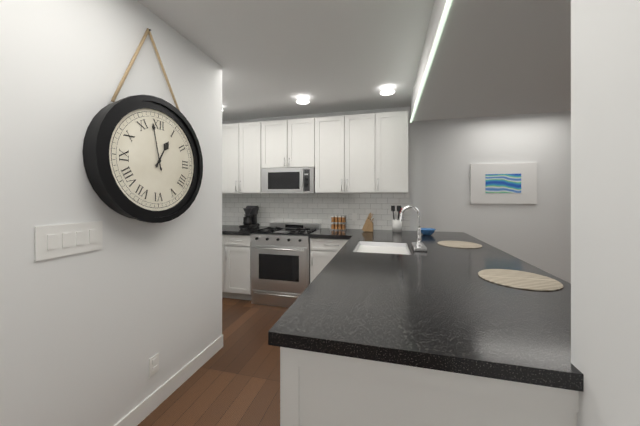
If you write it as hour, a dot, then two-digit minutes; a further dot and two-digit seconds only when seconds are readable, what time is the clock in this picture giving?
12.58
